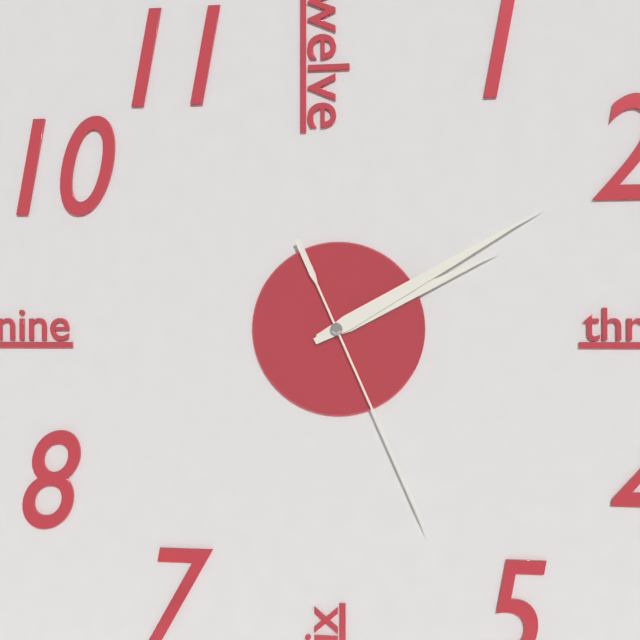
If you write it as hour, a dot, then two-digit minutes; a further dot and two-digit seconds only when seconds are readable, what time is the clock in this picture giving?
2.10.26
